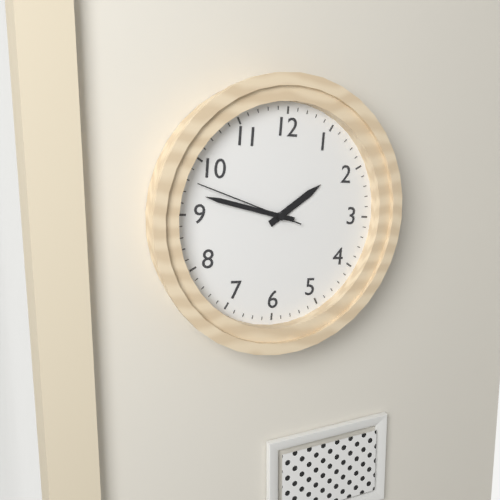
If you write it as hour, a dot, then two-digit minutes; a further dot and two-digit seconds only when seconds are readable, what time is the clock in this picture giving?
1.47.48
